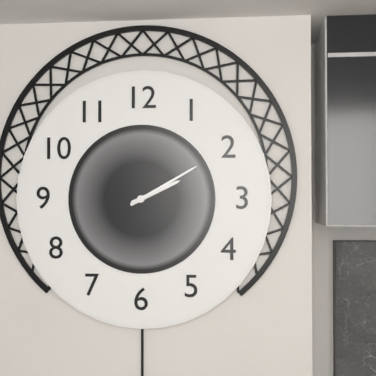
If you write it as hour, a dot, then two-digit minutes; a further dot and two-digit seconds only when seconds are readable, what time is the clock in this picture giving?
2.10
